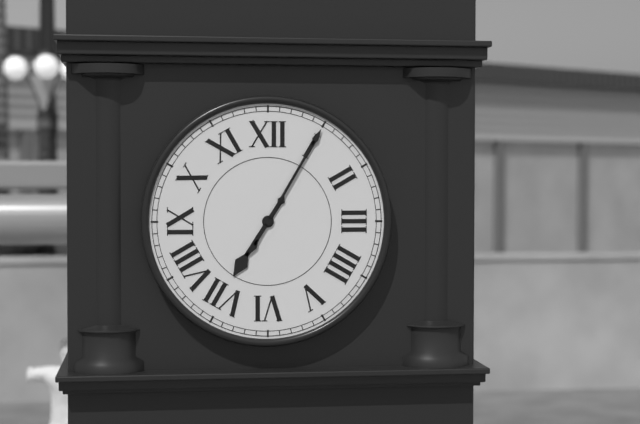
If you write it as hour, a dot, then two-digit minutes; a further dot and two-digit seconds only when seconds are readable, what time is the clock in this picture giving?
7.05
